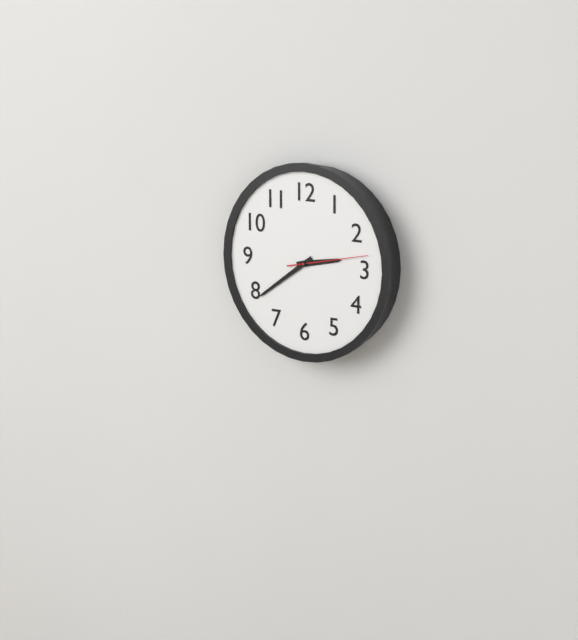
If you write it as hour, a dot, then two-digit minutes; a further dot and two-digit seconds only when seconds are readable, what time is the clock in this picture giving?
2.39.13
